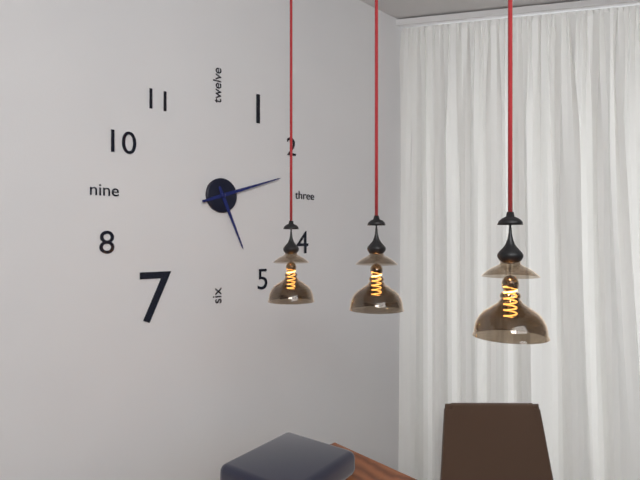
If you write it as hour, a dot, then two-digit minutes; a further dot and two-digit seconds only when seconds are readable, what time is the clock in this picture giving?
5.12
